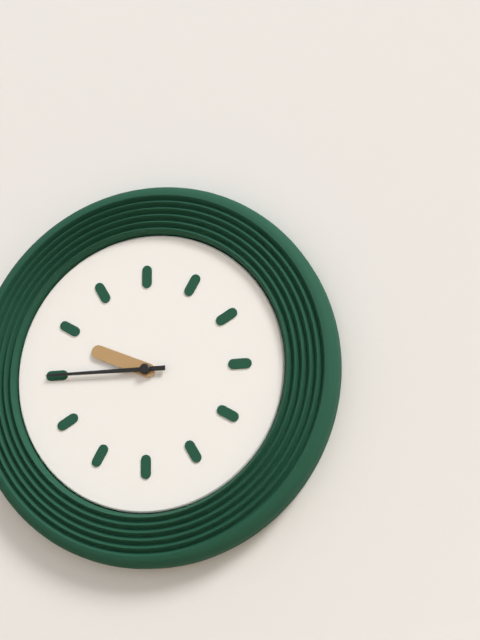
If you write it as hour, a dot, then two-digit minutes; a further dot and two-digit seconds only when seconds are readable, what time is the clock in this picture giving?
9.45
